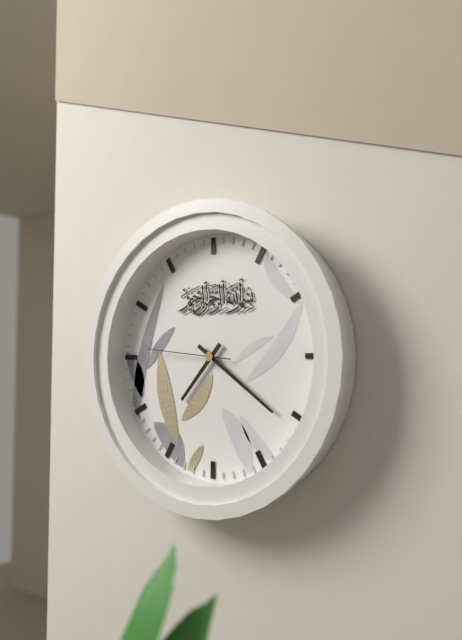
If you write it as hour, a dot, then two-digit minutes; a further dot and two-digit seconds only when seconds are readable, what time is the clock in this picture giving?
7.21.46
